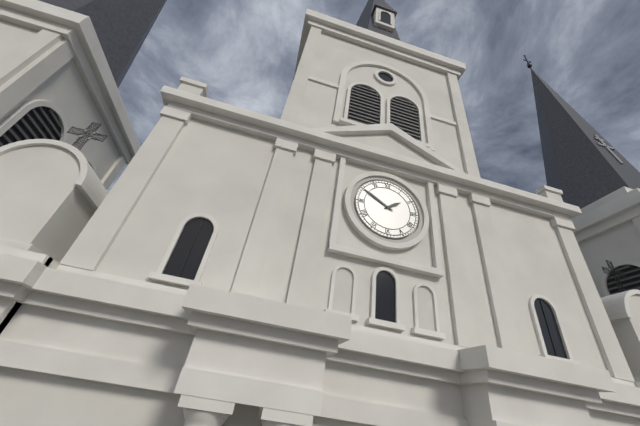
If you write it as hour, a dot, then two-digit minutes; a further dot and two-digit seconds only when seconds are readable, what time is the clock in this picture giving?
1.50
